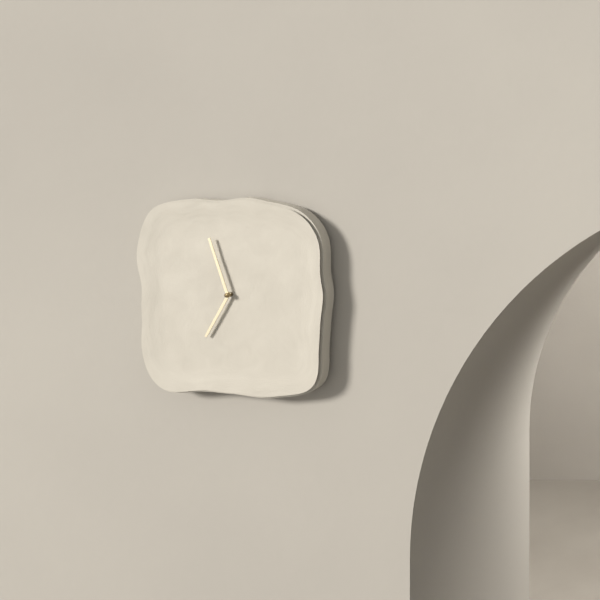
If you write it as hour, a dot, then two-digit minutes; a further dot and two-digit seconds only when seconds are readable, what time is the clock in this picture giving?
6.57
